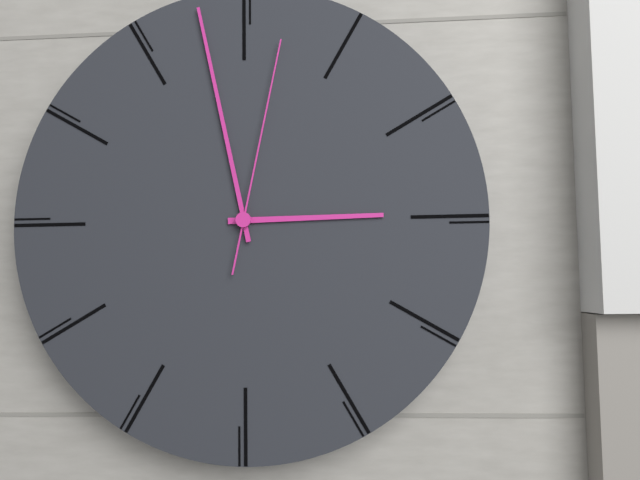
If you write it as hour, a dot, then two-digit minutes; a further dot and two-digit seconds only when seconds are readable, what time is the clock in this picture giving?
2.58.02
